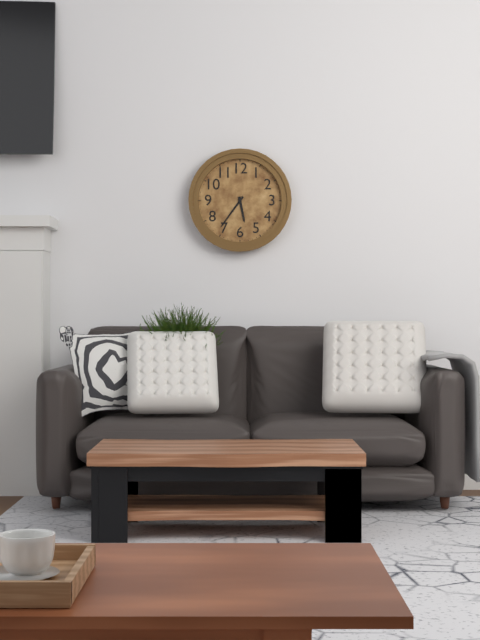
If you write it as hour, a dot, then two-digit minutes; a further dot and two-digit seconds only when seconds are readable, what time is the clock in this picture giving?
5.36
